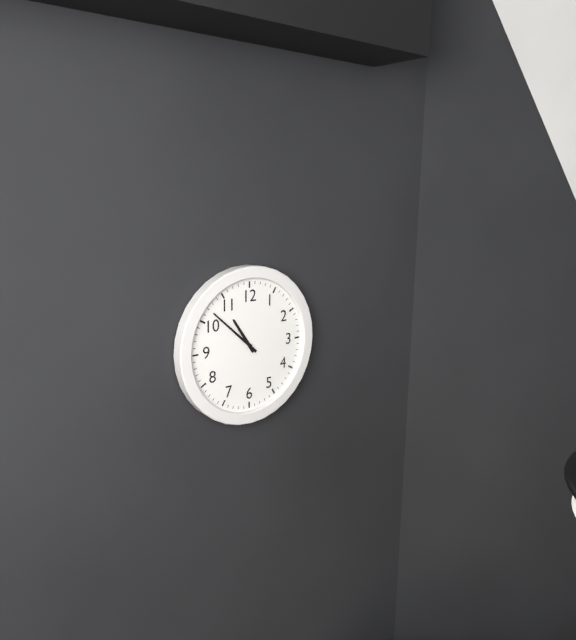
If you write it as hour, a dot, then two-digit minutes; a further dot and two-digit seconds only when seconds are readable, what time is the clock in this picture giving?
10.52
